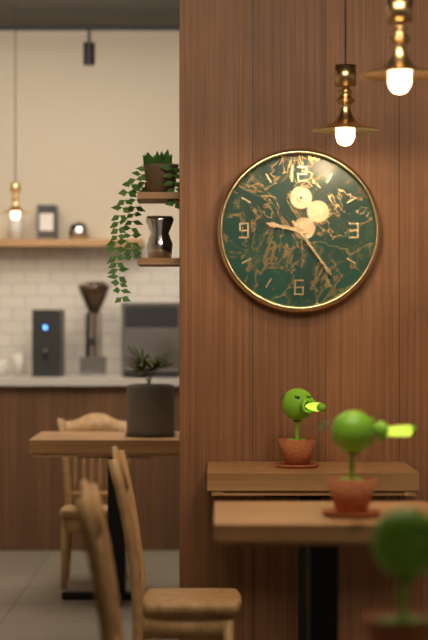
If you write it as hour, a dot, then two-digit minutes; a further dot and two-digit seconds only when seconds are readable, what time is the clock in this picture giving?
9.24
